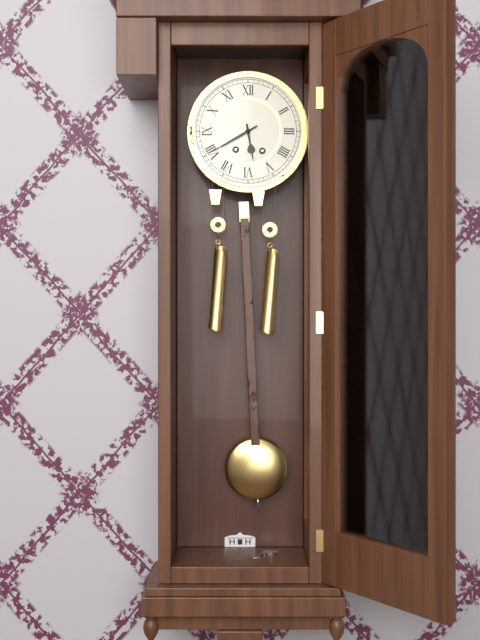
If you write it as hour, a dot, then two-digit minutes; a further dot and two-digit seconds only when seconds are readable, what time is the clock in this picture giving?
5.40
